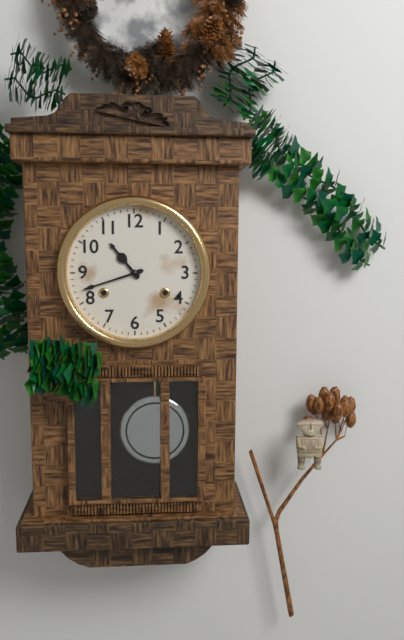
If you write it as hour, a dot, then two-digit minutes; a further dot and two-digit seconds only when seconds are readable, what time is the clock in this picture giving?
10.42
